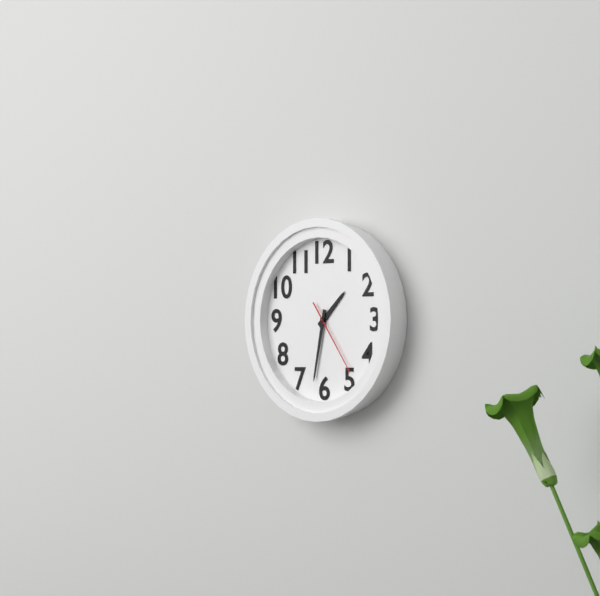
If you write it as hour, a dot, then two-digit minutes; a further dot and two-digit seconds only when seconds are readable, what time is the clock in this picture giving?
1.32.24
